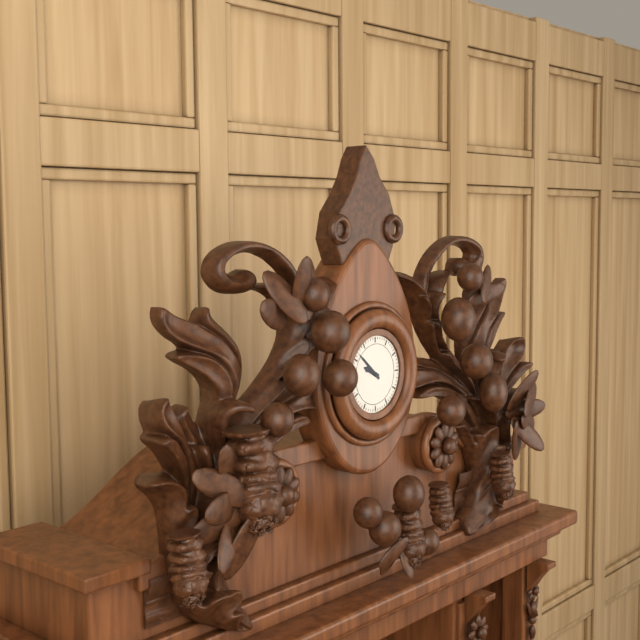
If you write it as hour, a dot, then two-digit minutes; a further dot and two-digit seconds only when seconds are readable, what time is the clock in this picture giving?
9.52
